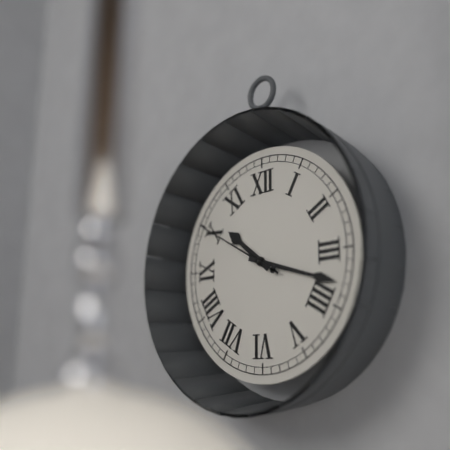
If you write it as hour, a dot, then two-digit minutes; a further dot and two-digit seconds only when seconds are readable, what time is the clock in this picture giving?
10.18.50
